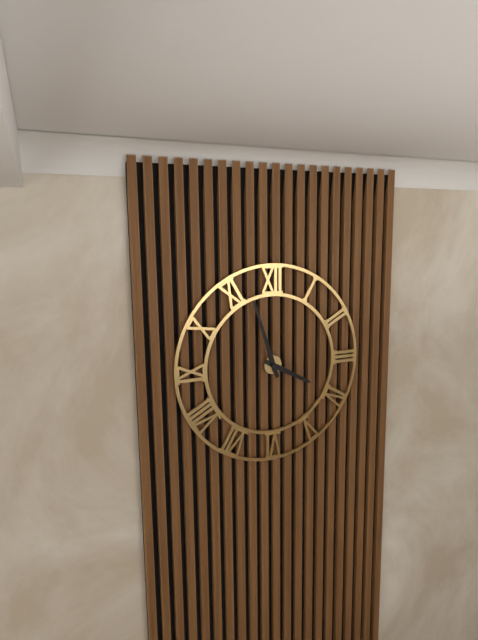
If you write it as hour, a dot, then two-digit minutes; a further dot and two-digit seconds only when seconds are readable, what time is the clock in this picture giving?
3.57
